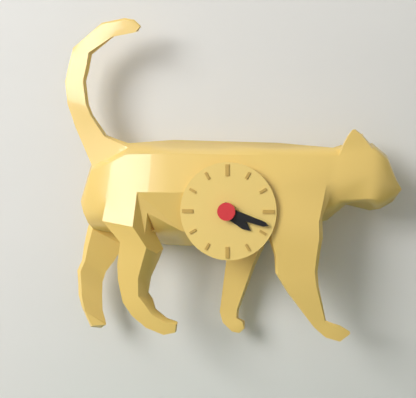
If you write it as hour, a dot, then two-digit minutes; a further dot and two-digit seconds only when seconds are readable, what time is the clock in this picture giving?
4.18
